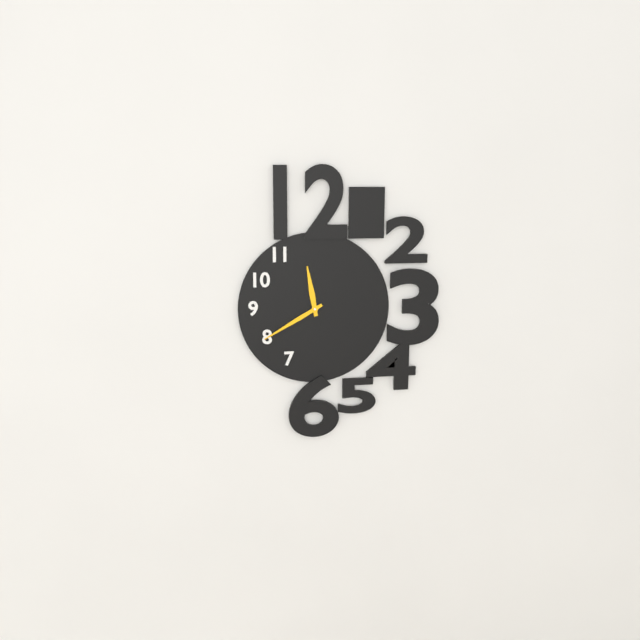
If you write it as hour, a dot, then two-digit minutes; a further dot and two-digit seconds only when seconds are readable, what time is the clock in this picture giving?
11.40
